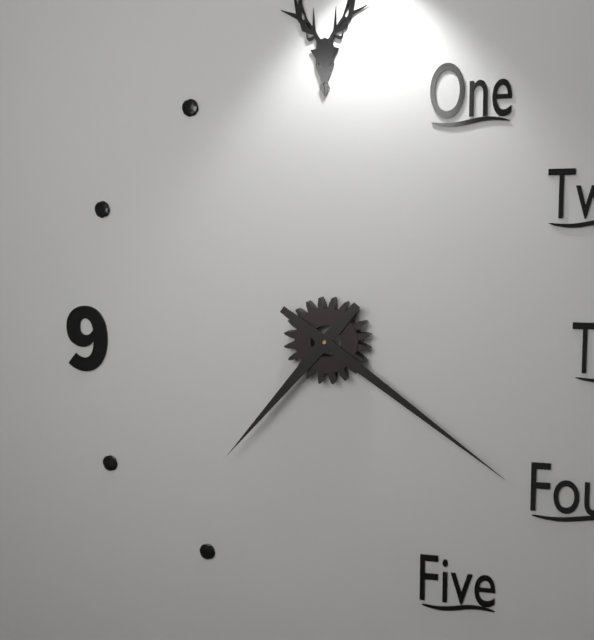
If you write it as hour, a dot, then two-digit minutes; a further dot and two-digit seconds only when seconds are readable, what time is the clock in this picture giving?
7.21
